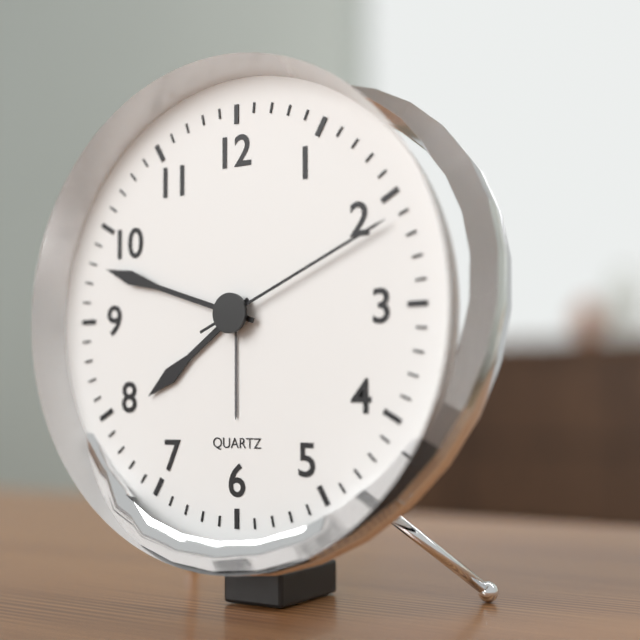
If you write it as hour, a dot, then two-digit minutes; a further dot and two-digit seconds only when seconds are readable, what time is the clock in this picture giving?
7.48.11
